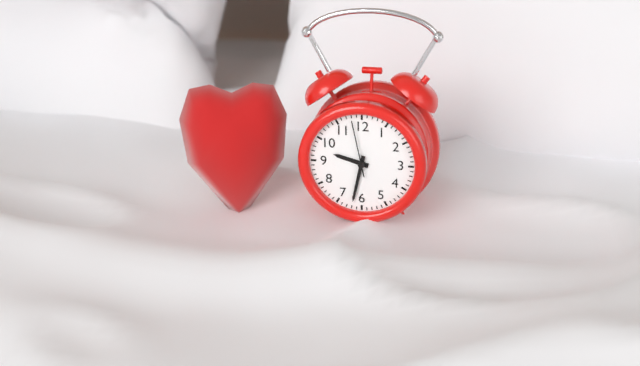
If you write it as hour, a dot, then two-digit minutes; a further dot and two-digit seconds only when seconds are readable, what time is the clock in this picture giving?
9.32.58
